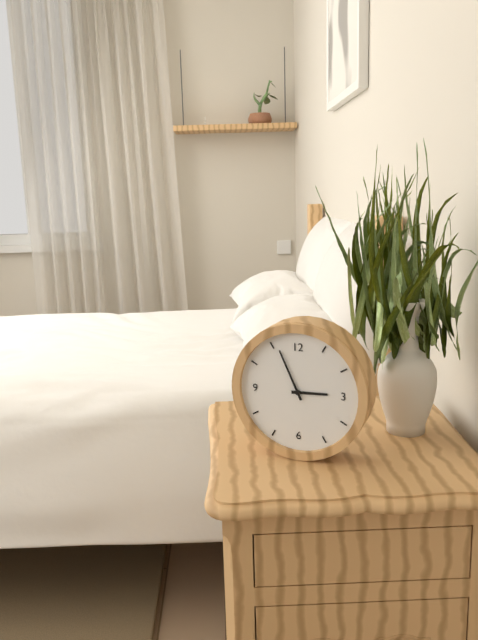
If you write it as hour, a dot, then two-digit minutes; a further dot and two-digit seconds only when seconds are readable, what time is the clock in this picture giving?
2.56
